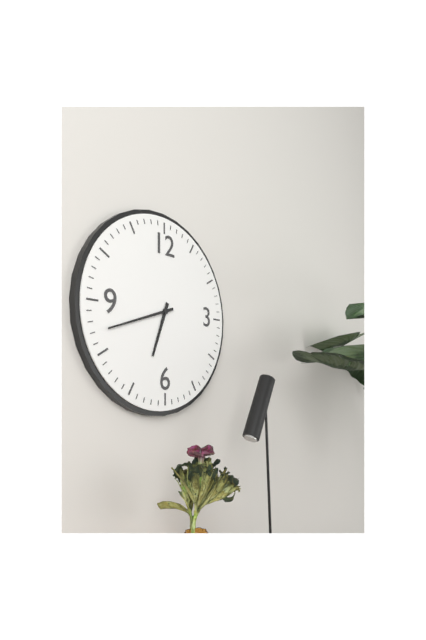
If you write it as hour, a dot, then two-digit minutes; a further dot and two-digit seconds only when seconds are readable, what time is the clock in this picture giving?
6.42
